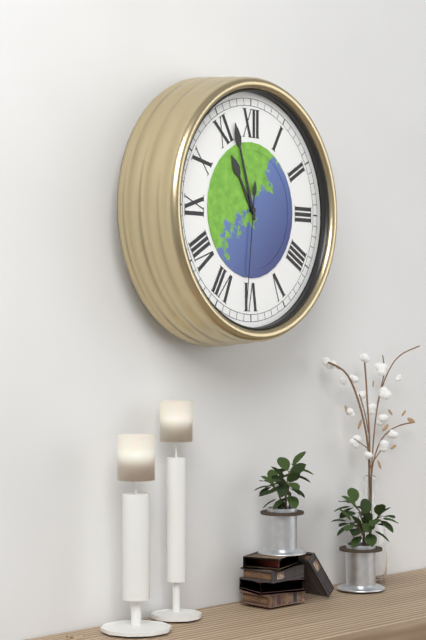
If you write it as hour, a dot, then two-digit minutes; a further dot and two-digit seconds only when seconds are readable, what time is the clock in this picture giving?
10.57.31
